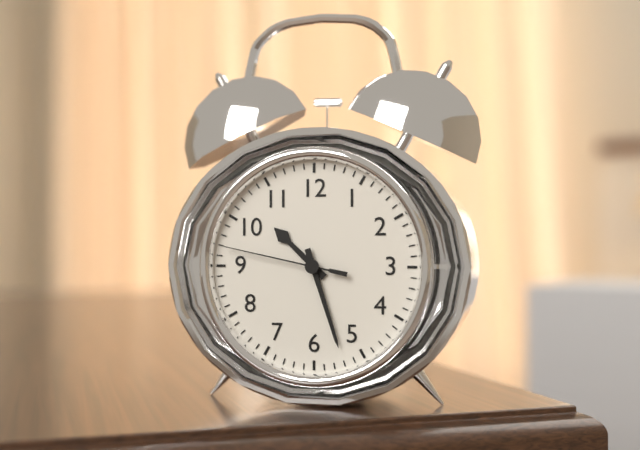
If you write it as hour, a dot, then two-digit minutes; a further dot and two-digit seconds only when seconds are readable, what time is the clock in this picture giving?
10.27.47
